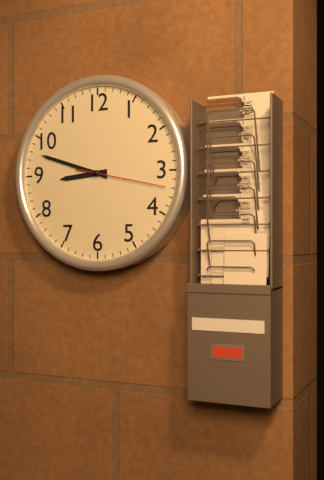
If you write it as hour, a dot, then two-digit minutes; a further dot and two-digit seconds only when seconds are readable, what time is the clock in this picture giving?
8.48.17
